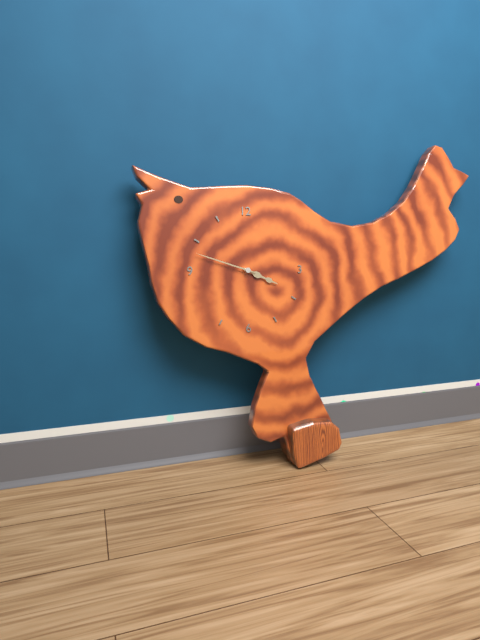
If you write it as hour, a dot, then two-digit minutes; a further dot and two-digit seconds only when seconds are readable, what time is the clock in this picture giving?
3.48
